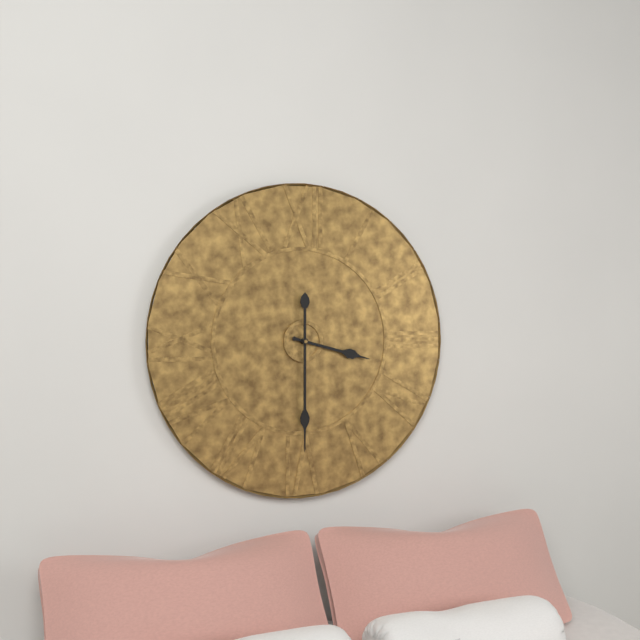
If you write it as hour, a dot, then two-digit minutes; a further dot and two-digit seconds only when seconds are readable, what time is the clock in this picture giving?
3.30
